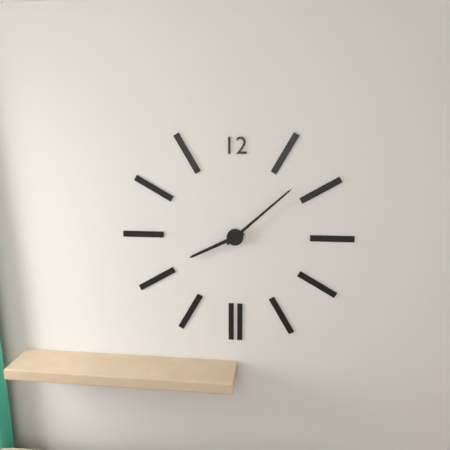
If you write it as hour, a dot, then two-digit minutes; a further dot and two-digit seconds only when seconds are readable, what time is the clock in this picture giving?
8.08
